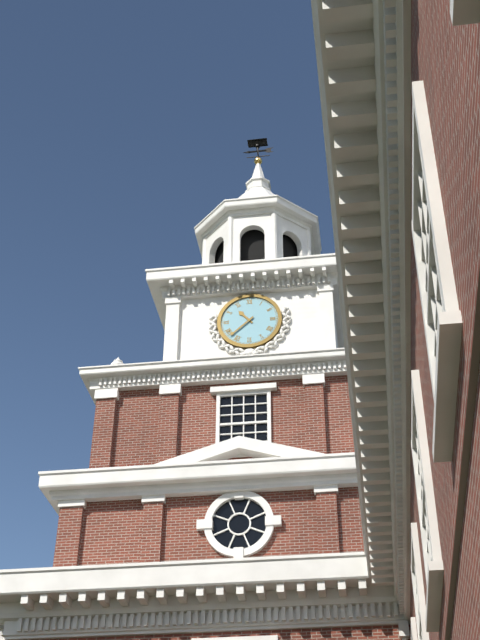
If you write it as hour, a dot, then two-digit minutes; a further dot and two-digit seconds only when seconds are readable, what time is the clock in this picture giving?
10.38
